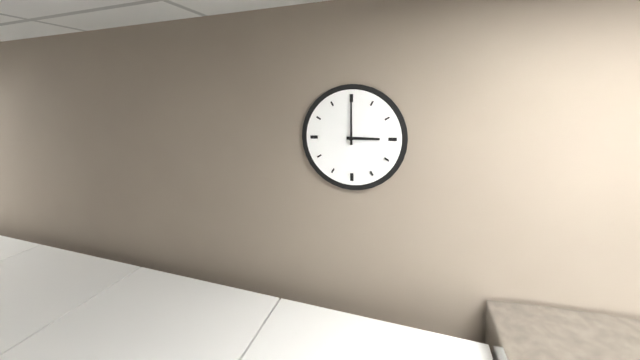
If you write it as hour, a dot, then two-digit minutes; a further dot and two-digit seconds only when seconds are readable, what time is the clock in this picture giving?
3.00
